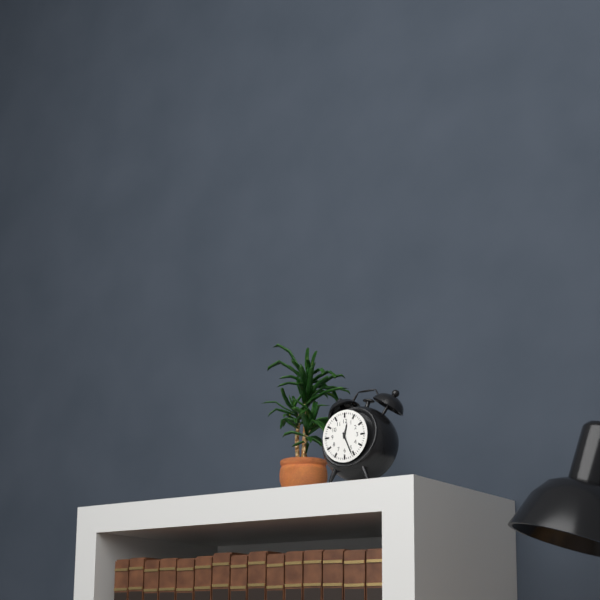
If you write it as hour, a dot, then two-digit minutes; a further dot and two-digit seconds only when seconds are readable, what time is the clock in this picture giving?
12.26
